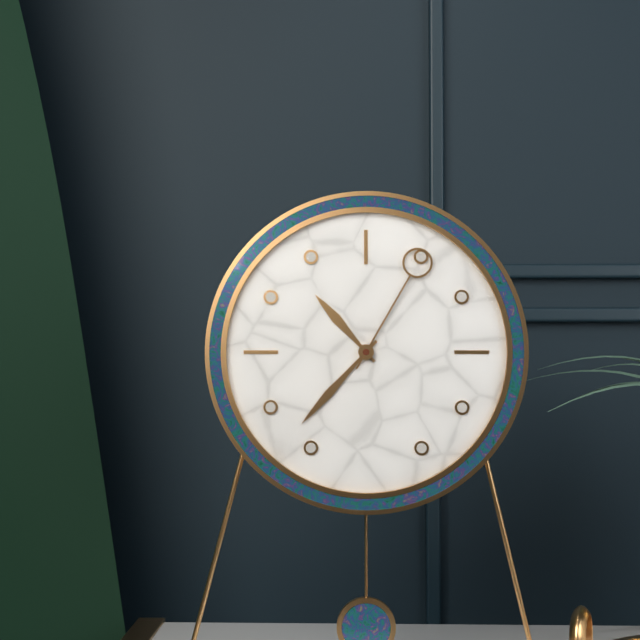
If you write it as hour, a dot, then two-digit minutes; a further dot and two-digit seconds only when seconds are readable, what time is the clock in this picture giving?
10.37.05
